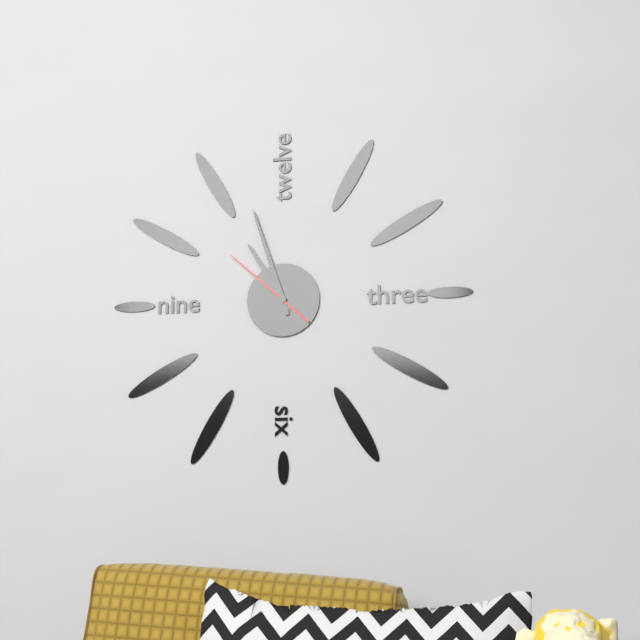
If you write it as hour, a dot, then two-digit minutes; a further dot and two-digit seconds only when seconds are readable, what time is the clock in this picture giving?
10.57.52
